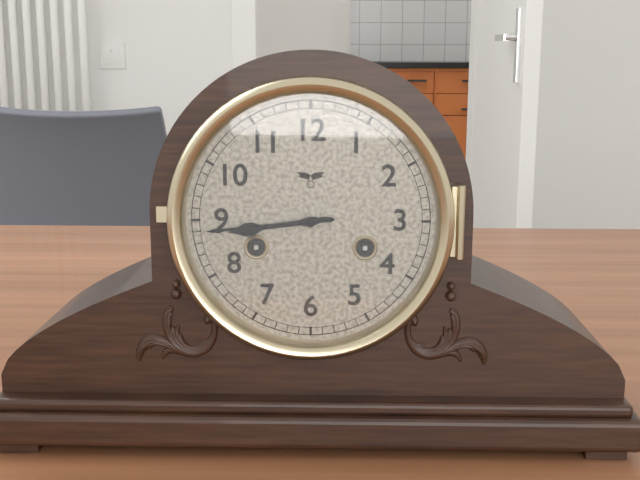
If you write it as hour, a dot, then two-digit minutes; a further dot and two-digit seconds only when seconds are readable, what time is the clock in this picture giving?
8.44
